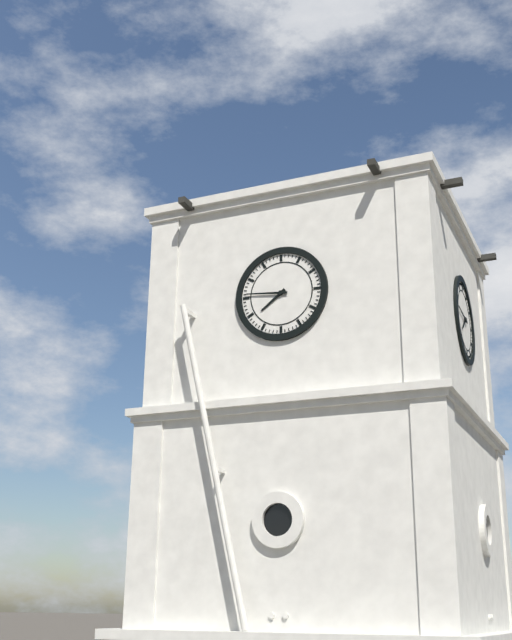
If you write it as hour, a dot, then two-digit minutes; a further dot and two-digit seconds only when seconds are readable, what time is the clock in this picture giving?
7.46
